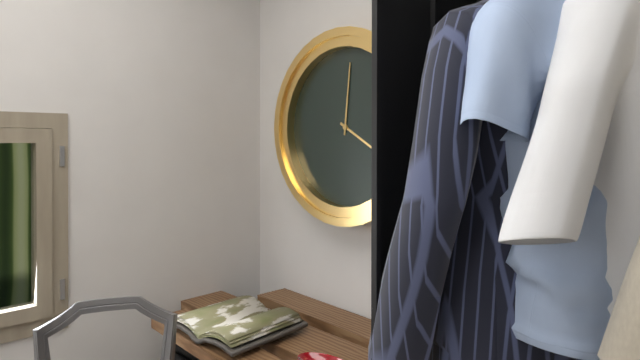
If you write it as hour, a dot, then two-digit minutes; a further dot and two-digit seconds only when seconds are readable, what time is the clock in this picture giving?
4.01
